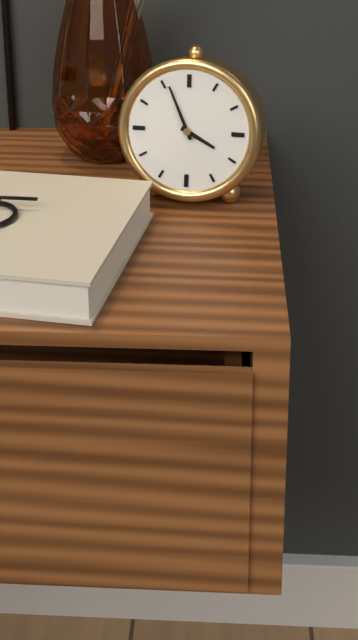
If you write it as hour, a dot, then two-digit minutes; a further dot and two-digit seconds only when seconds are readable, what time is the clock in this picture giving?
3.56
